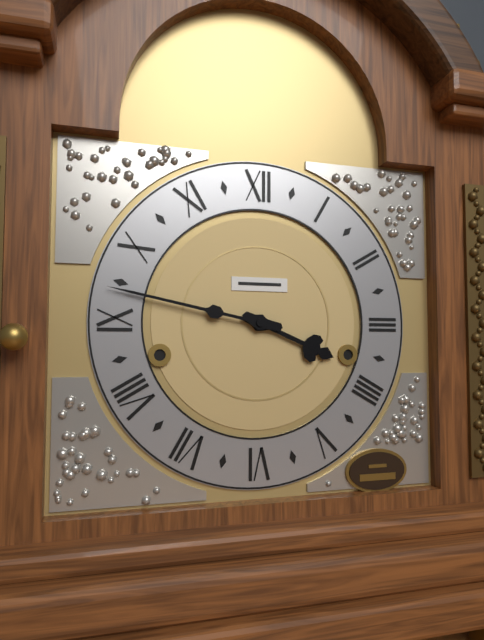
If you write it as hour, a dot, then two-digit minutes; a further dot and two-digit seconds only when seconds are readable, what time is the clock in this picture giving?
3.47
